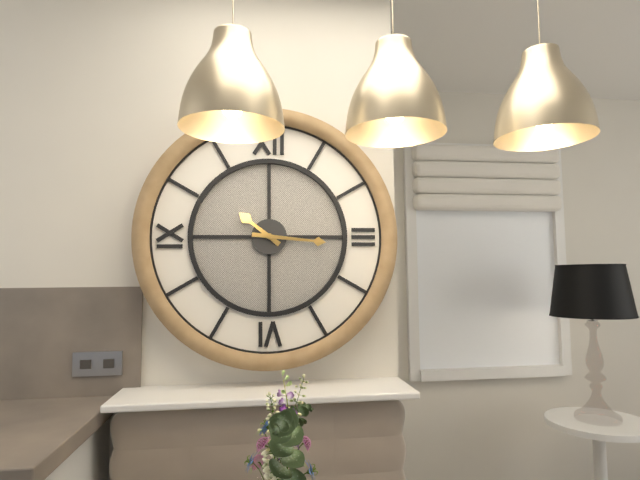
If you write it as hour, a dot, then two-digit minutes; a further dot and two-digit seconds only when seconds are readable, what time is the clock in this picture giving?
10.16
